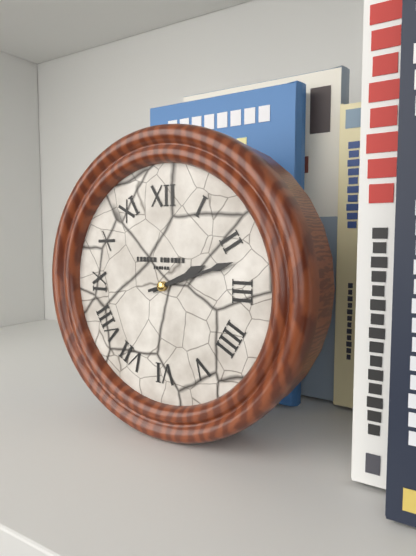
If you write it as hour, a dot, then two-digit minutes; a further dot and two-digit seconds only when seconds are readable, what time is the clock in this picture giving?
2.12
